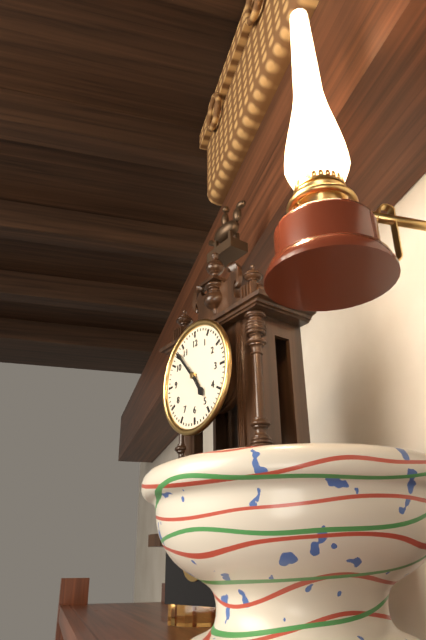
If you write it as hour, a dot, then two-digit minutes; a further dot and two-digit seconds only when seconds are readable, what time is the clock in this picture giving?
4.53
